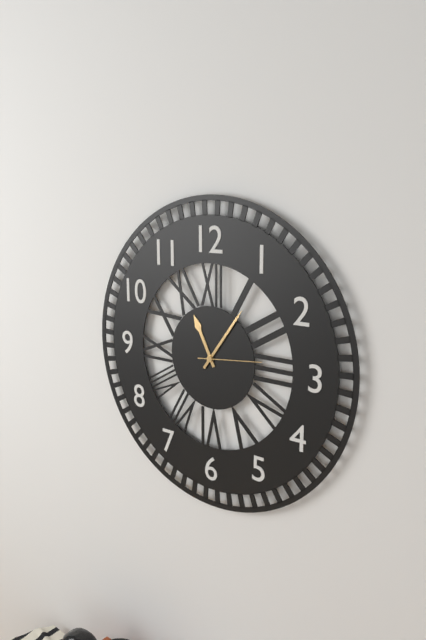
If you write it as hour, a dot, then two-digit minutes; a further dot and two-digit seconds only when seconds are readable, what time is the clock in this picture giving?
11.06.14
